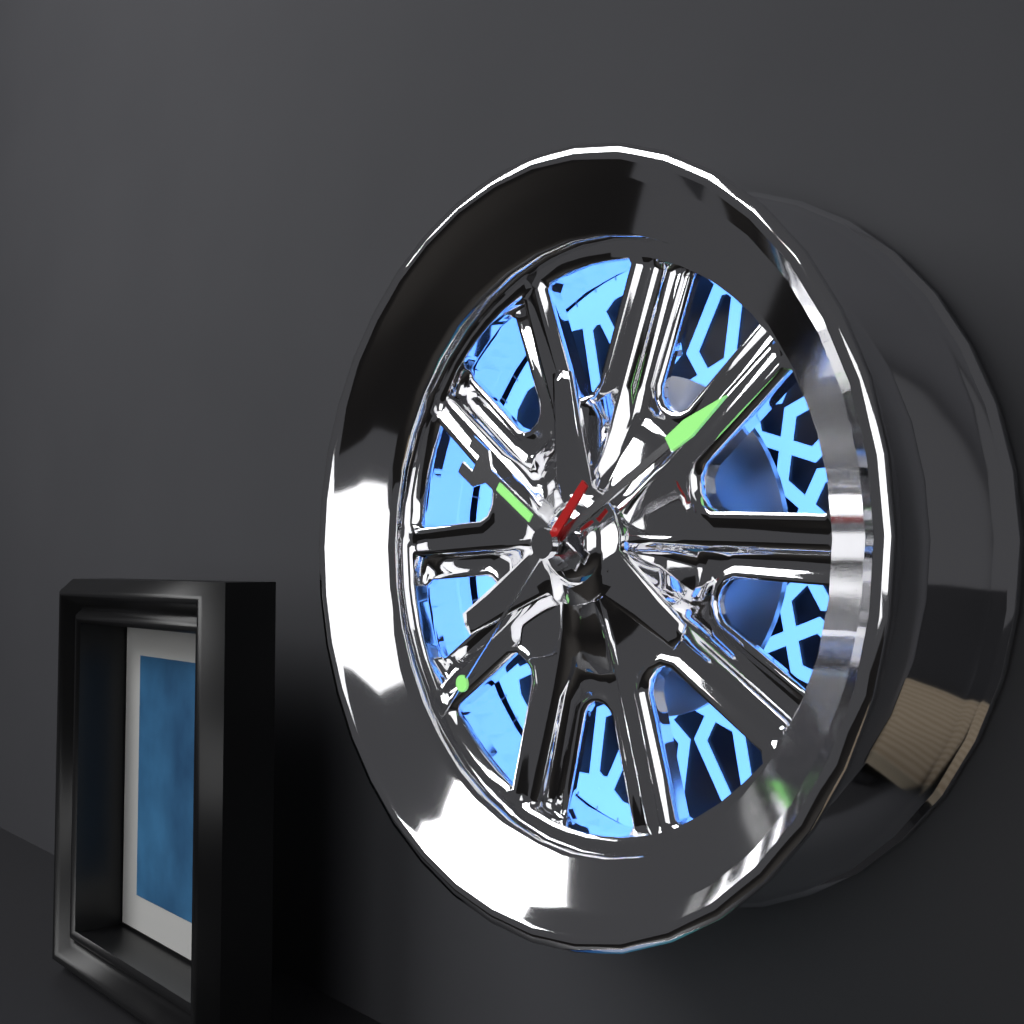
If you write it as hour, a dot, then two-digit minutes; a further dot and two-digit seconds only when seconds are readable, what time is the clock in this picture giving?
10.10.37
